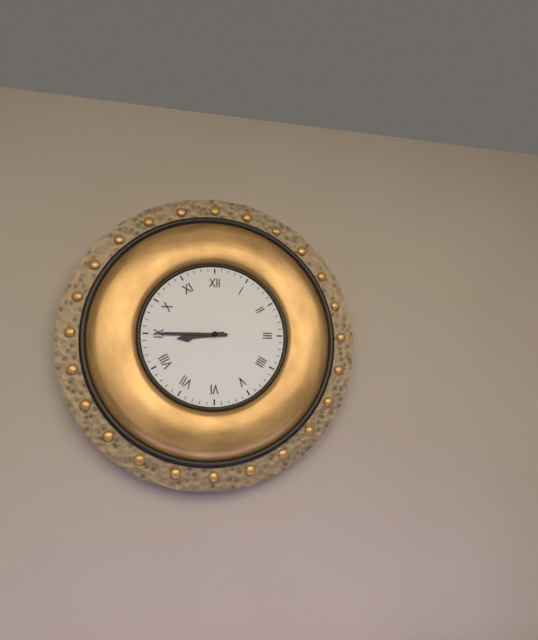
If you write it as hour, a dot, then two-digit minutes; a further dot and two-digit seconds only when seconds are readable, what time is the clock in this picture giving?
8.45
